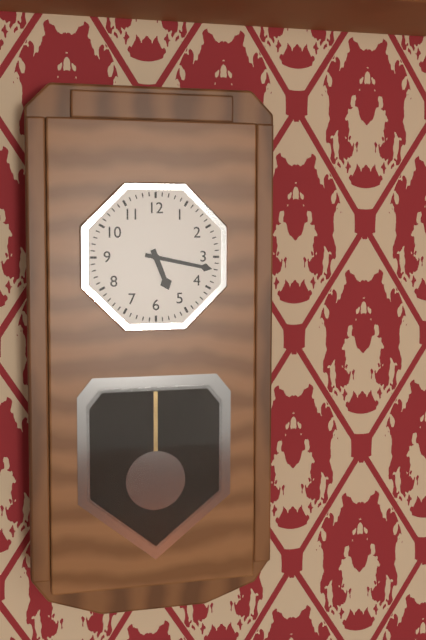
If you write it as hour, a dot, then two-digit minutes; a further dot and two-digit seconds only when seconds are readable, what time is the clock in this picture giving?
5.17
